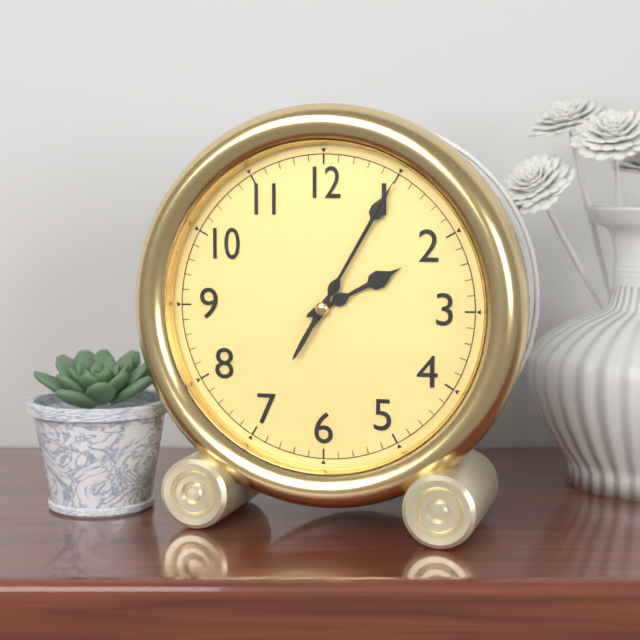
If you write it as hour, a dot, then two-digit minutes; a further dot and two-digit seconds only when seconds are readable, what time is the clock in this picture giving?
2.05.05
